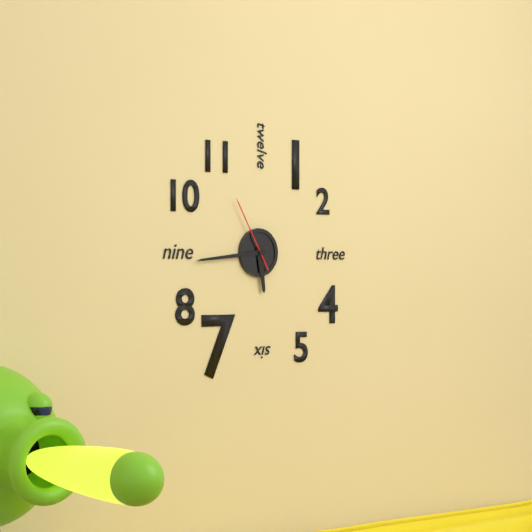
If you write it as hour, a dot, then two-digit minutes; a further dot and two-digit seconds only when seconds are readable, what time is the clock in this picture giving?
5.44.55
